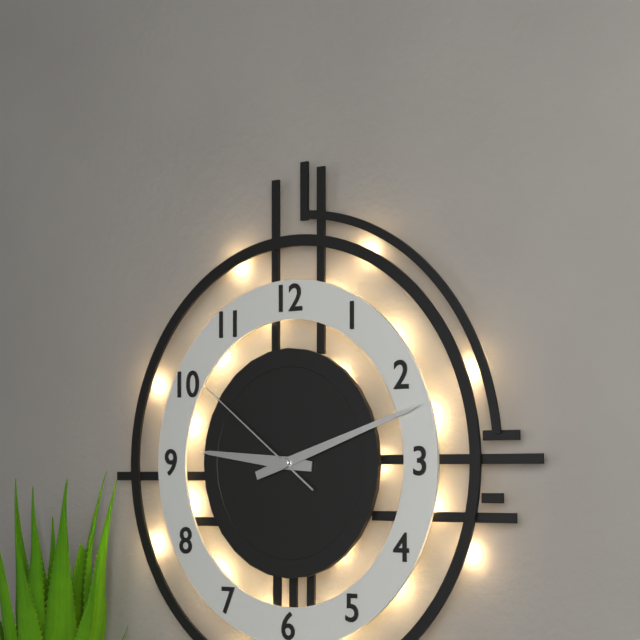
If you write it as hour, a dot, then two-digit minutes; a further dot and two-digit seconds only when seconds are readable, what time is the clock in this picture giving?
9.12.51
